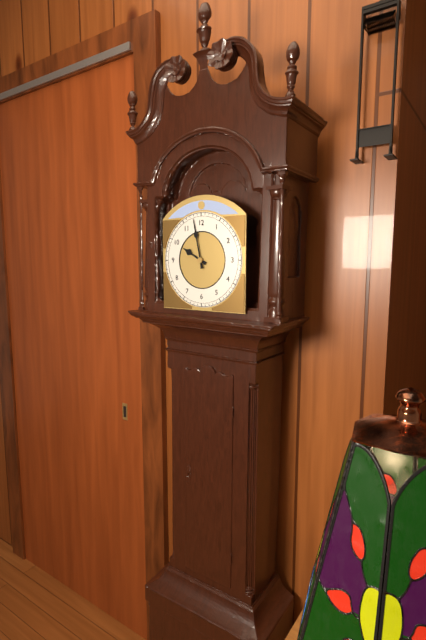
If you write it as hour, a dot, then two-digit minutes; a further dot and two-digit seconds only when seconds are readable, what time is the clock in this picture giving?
9.58
